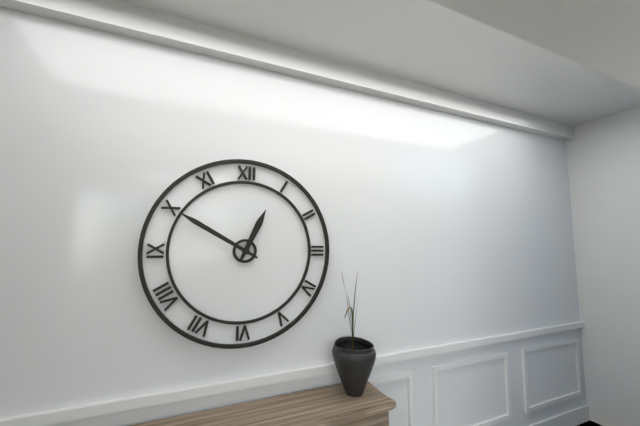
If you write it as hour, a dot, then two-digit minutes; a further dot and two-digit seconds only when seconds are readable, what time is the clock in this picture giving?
12.50
